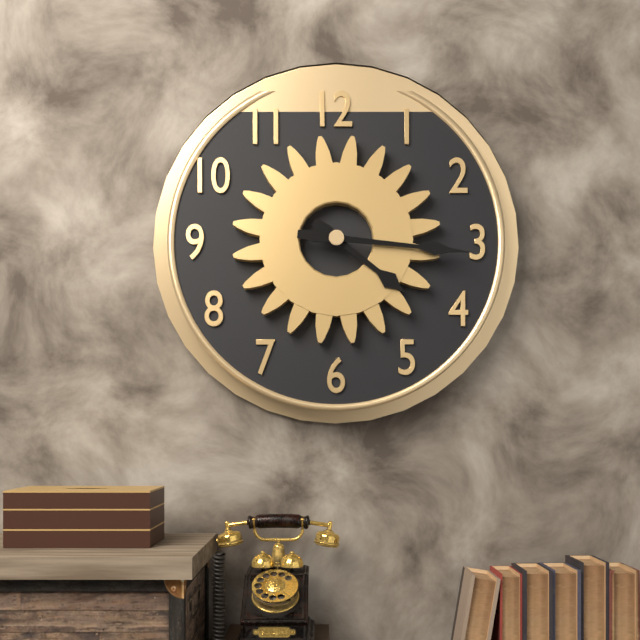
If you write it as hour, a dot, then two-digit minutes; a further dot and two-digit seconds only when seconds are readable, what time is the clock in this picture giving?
4.16
